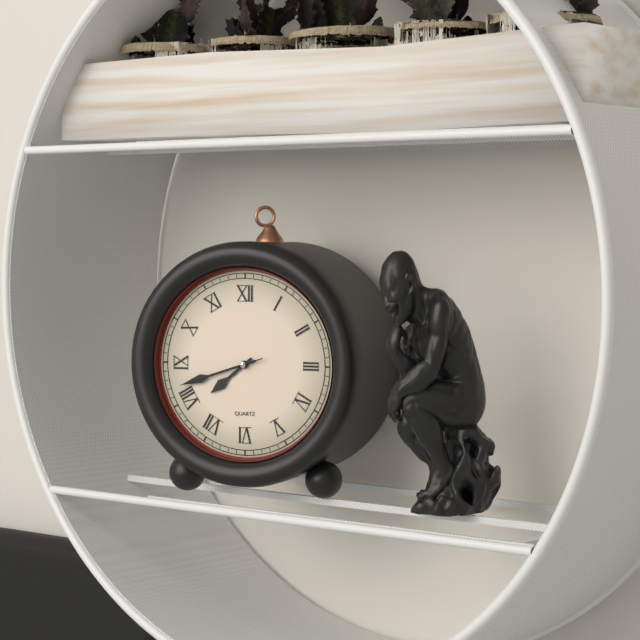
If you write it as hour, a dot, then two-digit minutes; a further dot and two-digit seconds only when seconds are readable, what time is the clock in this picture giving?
7.42.42
